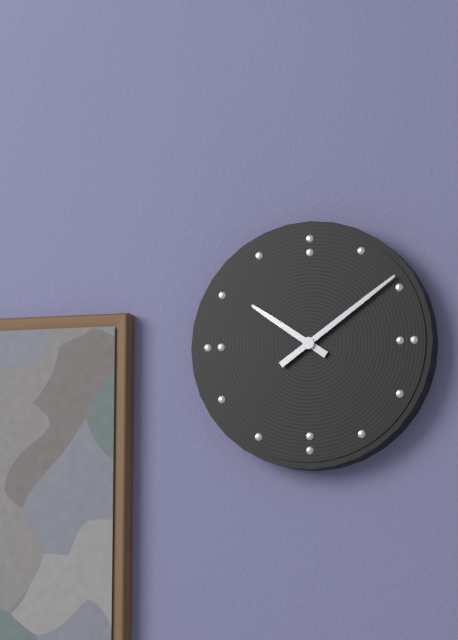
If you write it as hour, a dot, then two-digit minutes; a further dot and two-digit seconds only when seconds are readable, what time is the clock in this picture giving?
10.09
